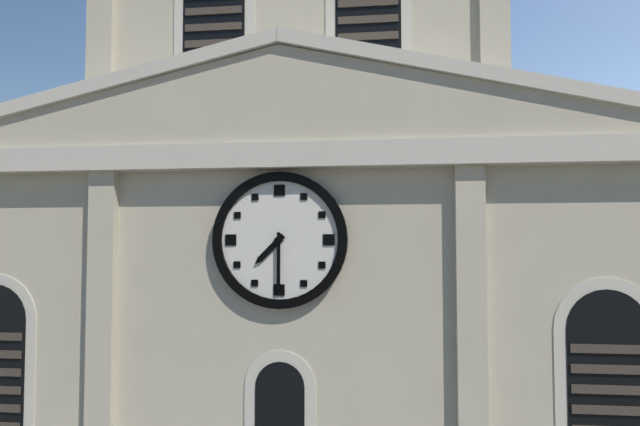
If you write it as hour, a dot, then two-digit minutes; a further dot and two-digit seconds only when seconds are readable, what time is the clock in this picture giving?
7.30
